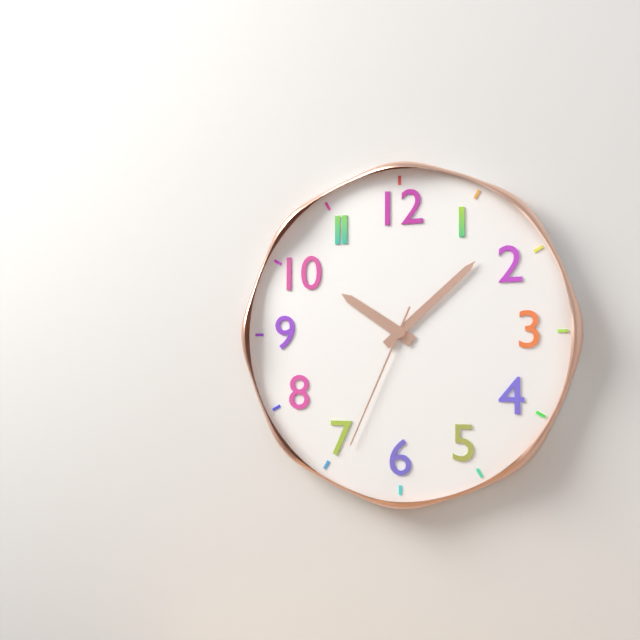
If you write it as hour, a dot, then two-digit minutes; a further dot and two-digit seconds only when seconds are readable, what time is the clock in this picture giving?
10.08.34
